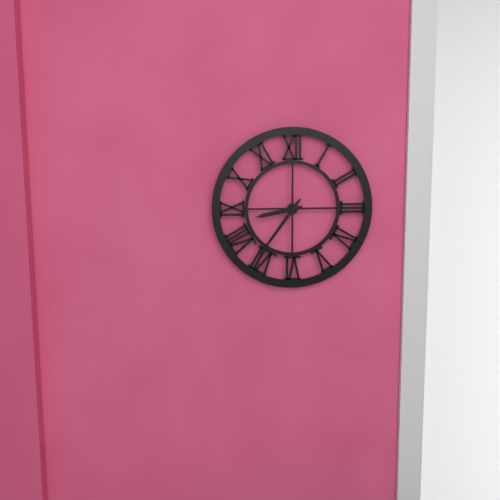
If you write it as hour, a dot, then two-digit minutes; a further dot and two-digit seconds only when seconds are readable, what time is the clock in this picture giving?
8.36
